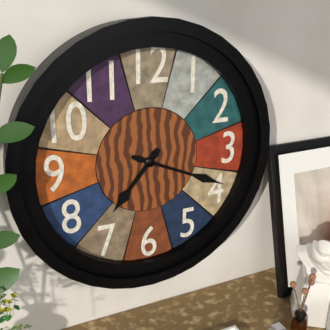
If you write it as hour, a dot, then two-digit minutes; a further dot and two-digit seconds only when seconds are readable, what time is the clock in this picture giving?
7.19
